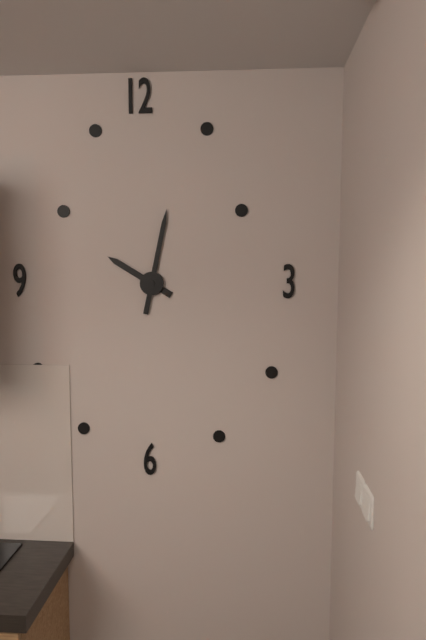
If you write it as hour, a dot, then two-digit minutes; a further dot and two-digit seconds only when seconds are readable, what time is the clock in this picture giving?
10.02
